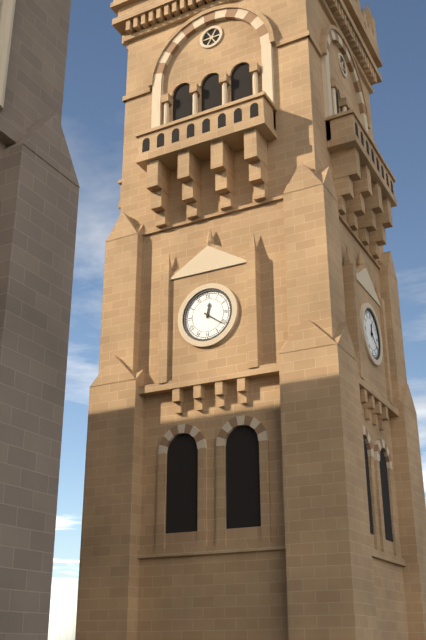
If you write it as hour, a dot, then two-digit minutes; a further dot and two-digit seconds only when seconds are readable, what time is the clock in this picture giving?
12.21
